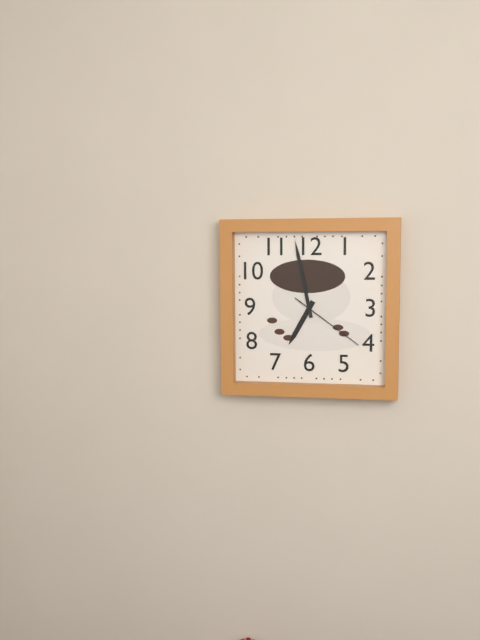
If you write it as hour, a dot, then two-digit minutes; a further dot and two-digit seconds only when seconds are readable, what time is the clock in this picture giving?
6.58.21
